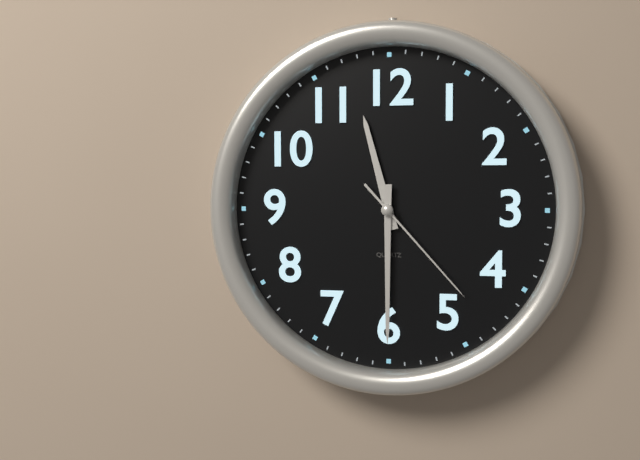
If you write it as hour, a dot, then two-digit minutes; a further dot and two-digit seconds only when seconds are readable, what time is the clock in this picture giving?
11.30.23
